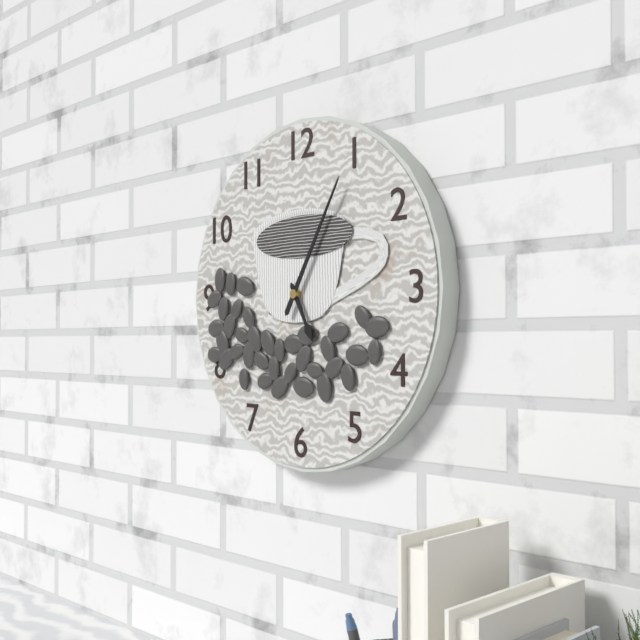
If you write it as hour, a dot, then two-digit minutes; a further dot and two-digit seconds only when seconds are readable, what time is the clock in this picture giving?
5.05
